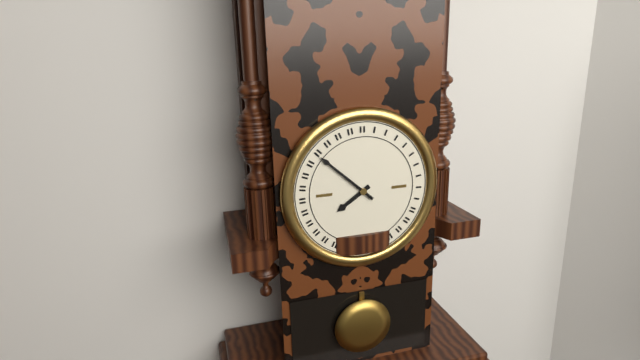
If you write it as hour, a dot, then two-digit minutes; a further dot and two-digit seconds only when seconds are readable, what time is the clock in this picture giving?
7.52
